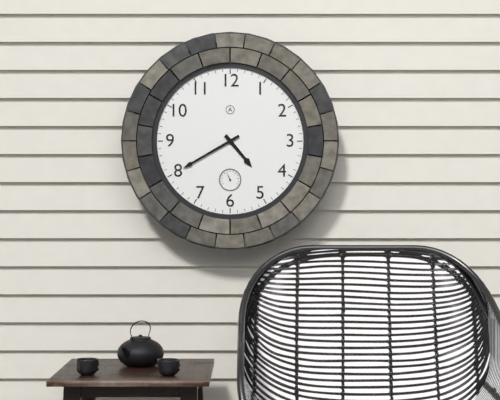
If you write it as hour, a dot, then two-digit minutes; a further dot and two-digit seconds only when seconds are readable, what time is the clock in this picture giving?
4.40
